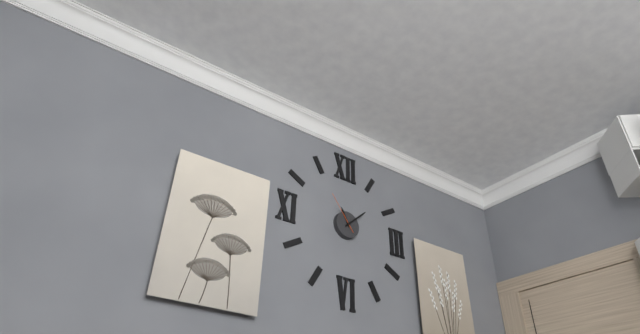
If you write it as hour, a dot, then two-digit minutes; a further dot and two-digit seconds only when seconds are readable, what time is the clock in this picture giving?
11.08
